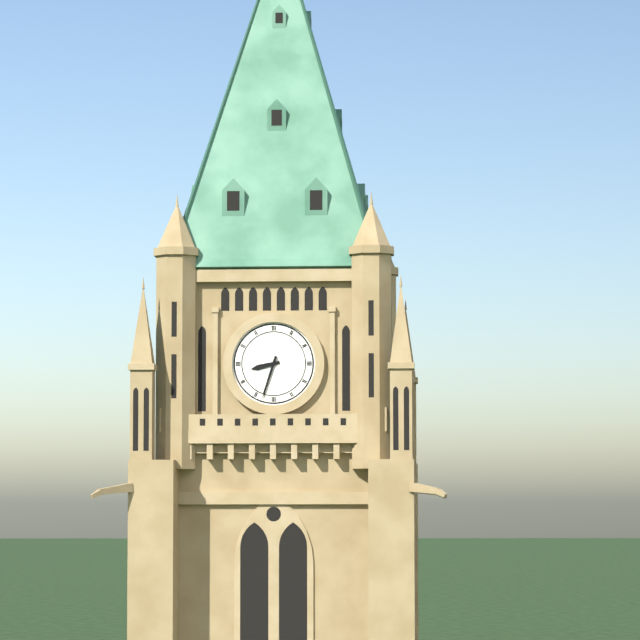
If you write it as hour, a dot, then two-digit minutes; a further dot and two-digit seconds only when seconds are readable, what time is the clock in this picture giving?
8.33
